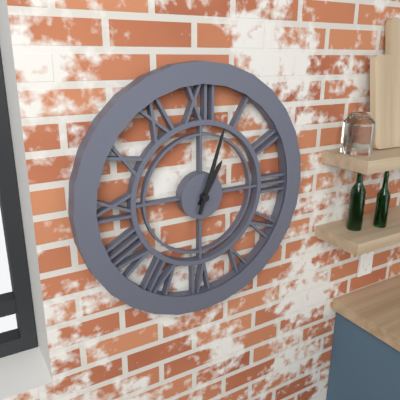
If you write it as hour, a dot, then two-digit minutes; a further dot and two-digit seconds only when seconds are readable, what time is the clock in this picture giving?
1.03
